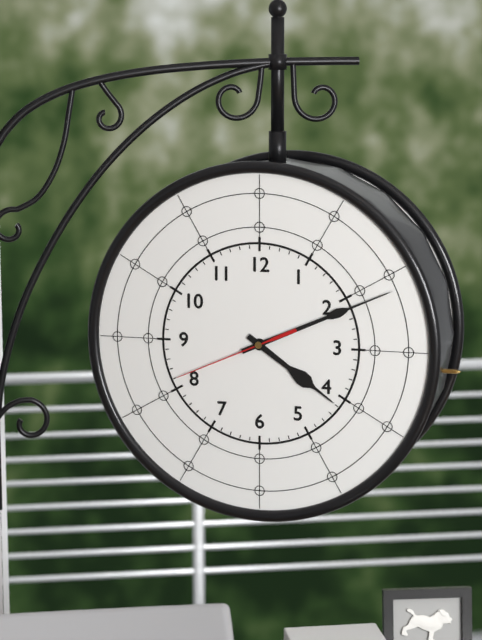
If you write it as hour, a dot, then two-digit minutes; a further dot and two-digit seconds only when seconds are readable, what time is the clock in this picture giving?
4.11.41
